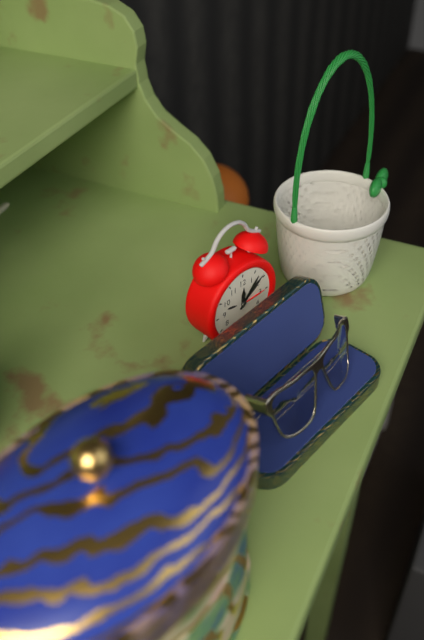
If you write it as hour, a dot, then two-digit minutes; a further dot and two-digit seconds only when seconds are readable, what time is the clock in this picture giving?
12.07
